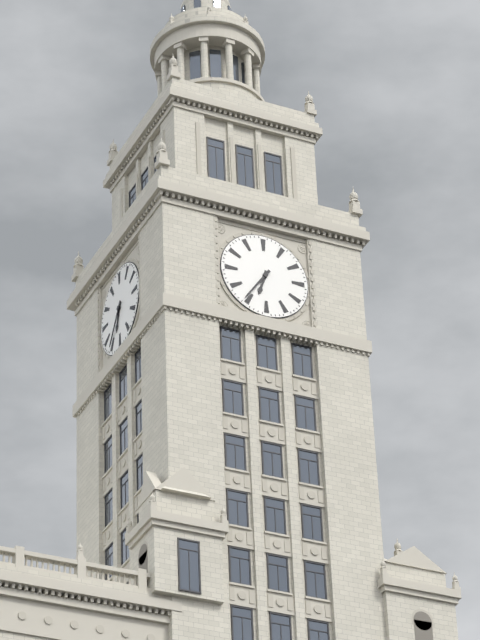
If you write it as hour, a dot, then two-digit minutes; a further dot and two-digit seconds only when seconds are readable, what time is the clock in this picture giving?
6.36
